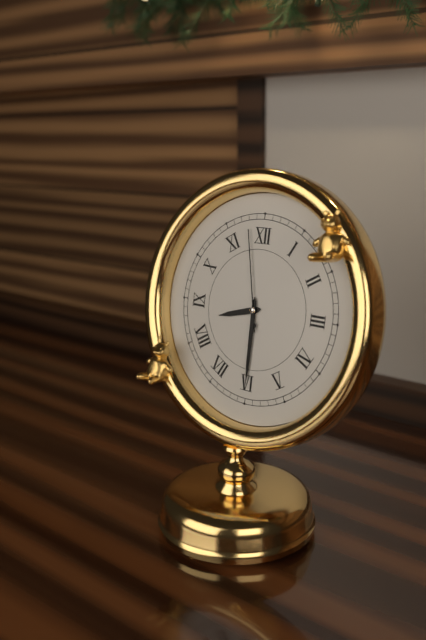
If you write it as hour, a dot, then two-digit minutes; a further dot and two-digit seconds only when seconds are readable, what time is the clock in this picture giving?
8.30.58
